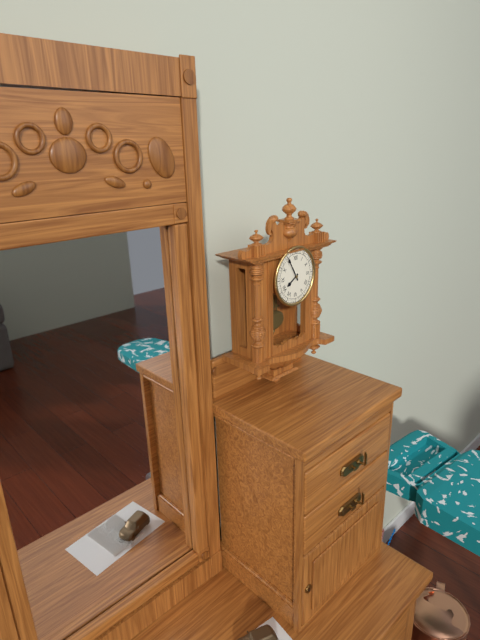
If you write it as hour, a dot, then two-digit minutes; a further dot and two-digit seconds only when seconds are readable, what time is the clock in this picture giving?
7.55
